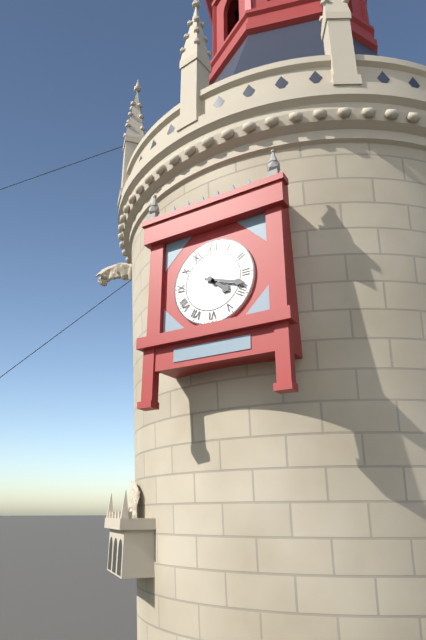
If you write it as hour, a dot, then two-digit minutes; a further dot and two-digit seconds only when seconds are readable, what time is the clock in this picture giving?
4.18
